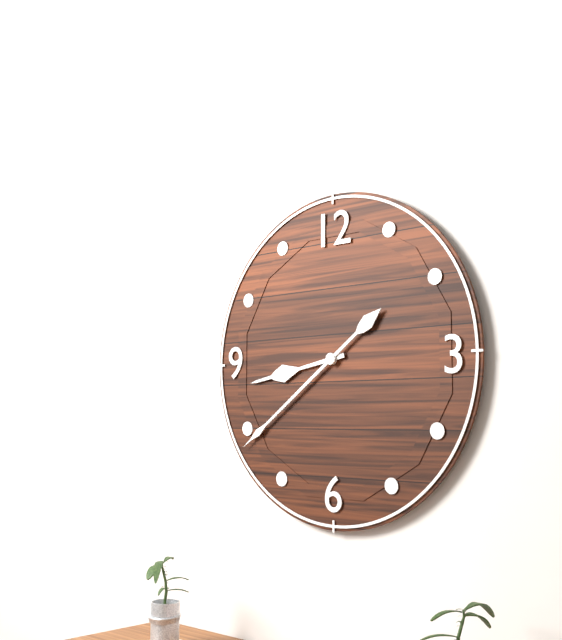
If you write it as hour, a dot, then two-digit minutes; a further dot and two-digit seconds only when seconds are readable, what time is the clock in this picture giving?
8.39
